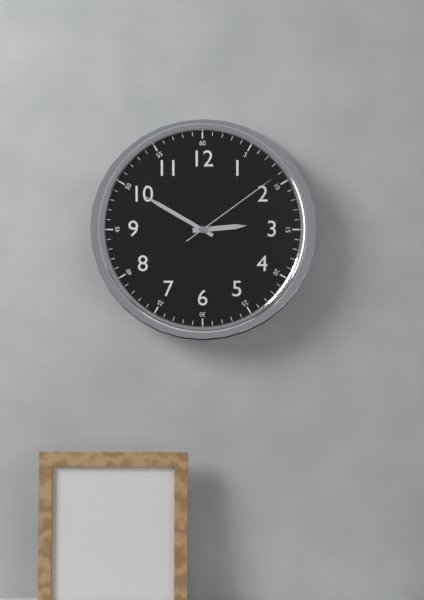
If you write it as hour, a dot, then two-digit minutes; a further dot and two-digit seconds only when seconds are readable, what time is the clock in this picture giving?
2.50.09
